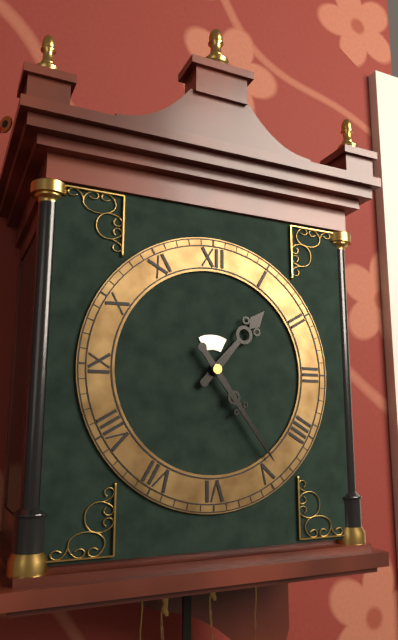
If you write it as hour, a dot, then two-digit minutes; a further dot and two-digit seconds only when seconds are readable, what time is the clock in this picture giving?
1.24
